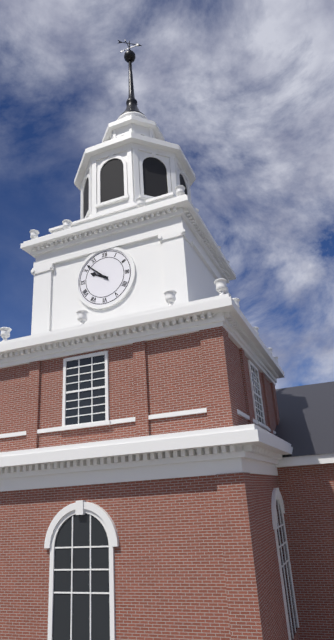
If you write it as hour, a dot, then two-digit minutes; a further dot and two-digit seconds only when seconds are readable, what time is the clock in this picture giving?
9.52
